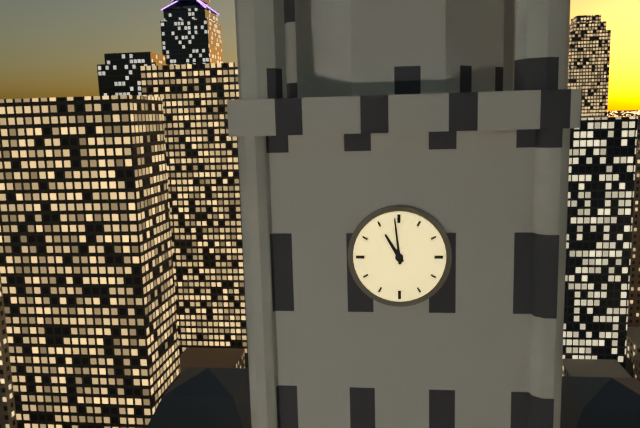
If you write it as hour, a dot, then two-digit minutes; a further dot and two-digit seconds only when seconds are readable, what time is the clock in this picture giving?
10.59
